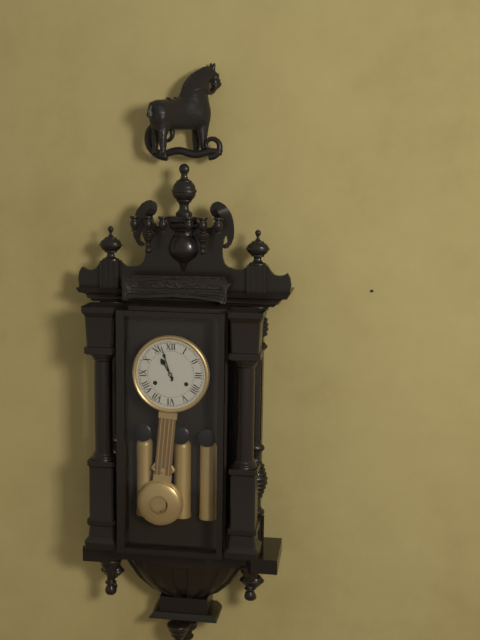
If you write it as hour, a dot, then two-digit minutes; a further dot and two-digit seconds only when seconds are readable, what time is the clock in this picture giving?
10.57
